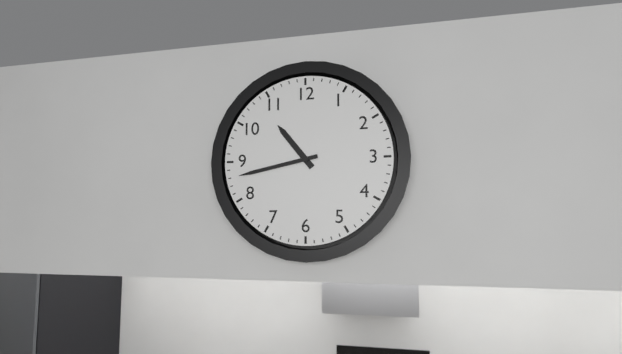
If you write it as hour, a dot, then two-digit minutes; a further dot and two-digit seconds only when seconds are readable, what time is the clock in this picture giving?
10.43
